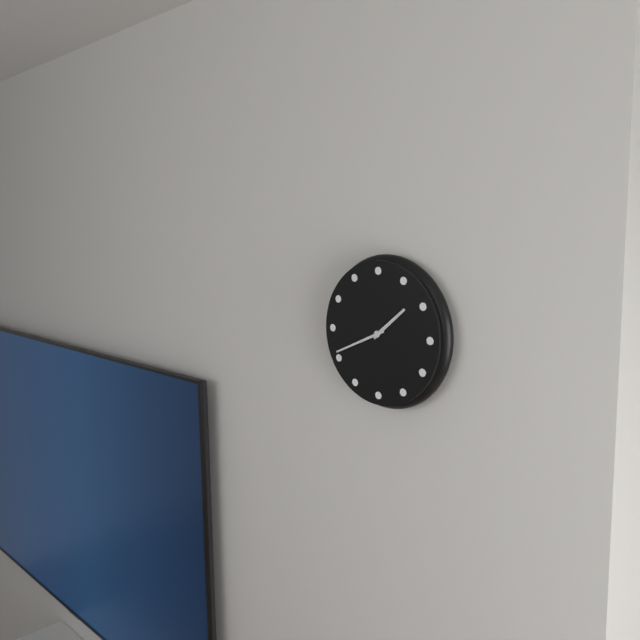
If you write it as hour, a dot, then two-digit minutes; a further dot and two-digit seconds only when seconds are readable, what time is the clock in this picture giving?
1.41
